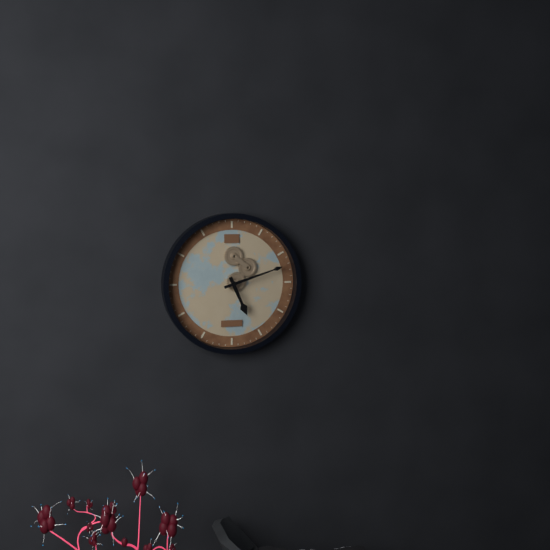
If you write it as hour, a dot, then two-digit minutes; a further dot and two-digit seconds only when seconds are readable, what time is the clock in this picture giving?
5.12
